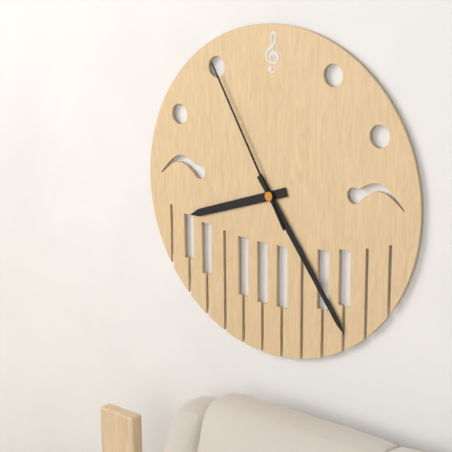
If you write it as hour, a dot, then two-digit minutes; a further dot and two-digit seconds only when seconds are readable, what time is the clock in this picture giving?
8.24.55
